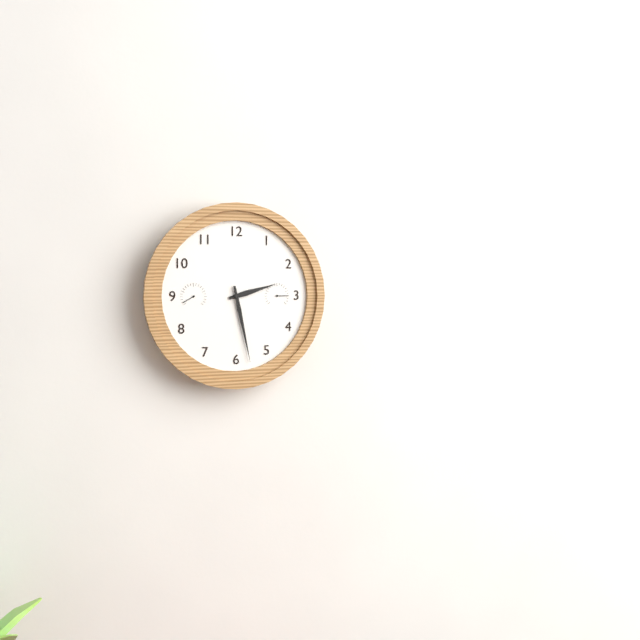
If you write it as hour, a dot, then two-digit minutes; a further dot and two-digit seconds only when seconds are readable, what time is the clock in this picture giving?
2.28
